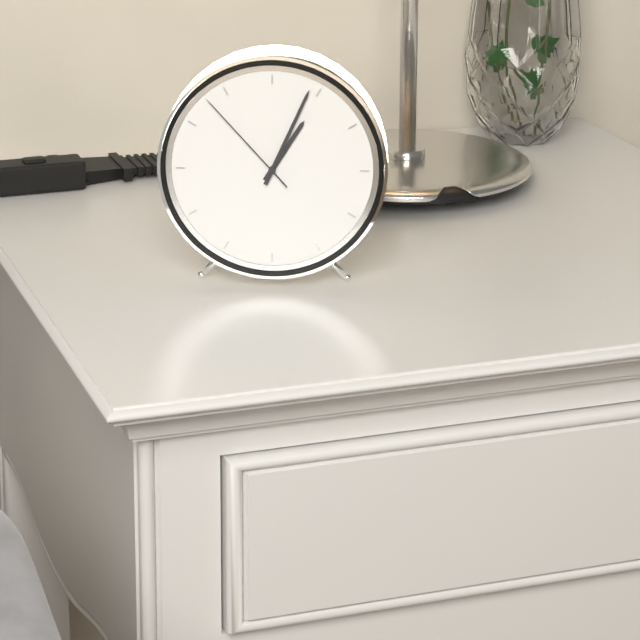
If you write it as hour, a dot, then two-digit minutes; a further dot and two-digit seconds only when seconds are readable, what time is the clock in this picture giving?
1.04.53
